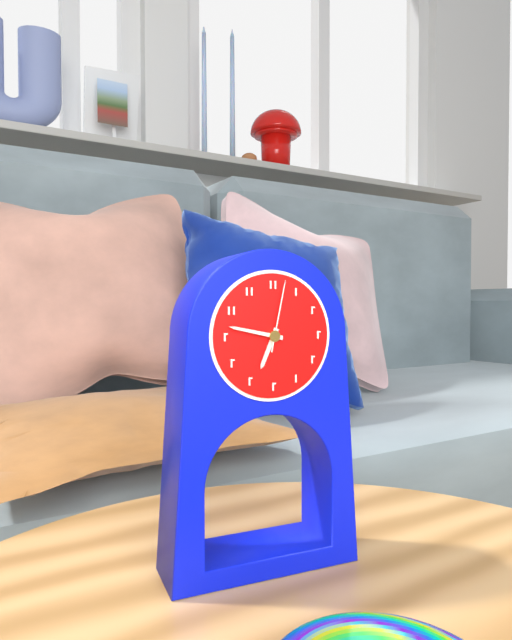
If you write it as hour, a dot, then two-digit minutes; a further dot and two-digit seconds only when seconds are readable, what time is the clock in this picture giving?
6.47.02
